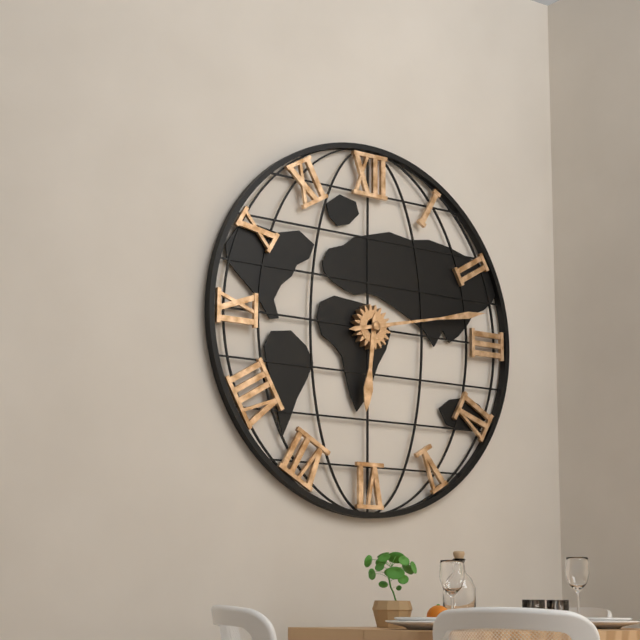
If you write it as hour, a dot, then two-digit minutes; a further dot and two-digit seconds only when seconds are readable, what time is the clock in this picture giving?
6.13
